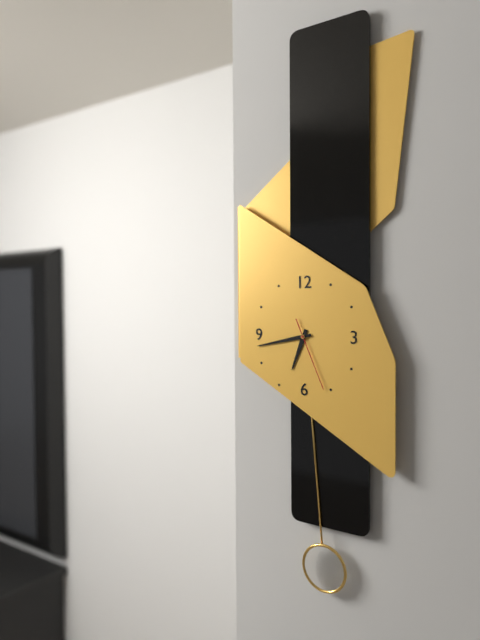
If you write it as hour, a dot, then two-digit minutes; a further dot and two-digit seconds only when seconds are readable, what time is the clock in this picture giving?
6.43.26
